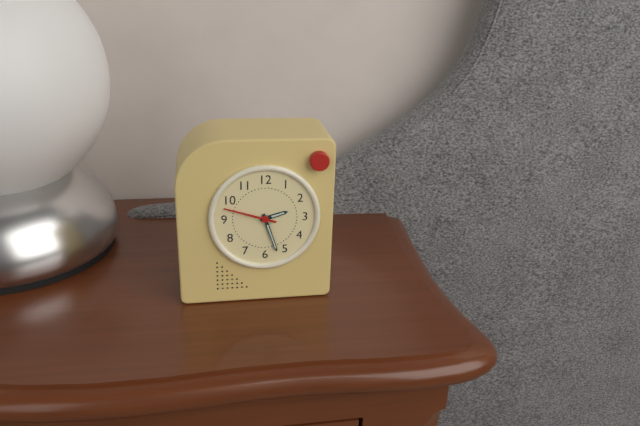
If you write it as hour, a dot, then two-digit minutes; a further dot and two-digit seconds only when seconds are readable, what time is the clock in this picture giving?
2.27.48
